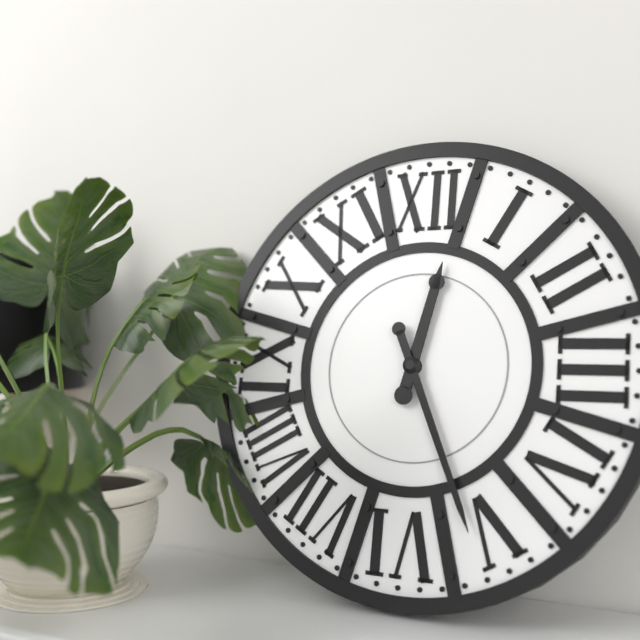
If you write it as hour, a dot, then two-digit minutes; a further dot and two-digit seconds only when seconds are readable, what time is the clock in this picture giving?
12.26
